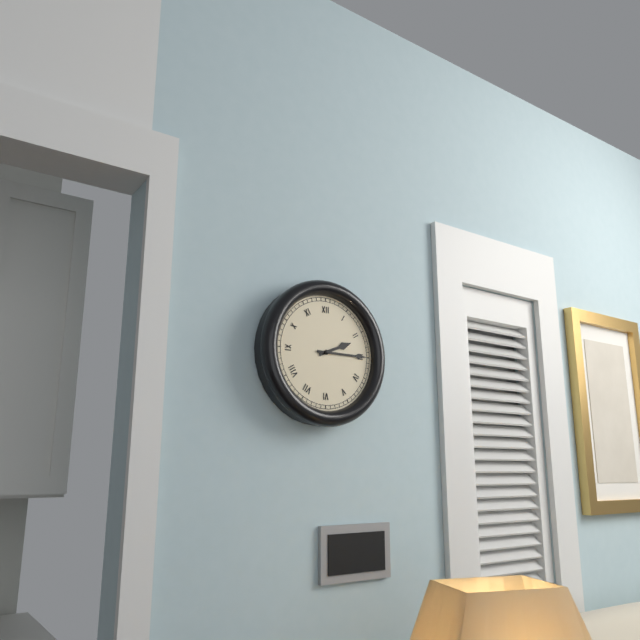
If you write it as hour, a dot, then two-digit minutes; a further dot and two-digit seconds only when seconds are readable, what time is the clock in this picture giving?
2.15
